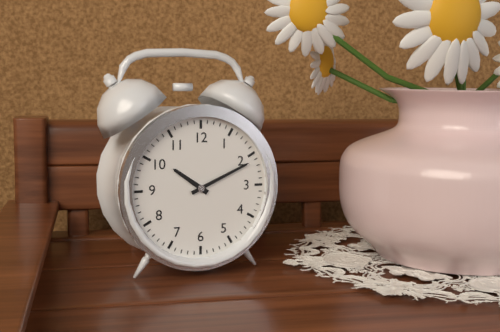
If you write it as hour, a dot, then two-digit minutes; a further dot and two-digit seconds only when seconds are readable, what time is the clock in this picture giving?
10.11
